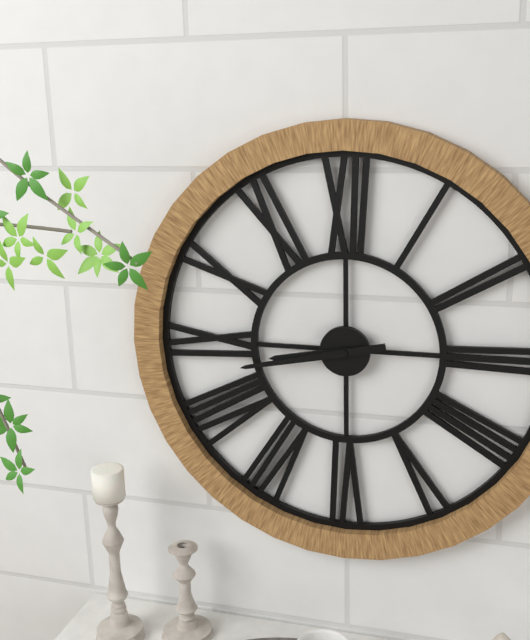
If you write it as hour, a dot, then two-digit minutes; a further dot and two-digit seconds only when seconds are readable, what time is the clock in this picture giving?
8.43
